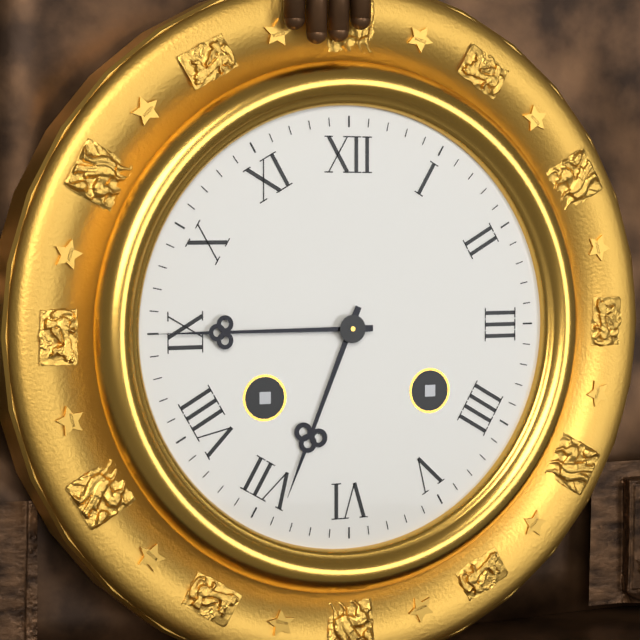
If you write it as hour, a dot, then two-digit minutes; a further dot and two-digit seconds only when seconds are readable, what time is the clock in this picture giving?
6.45
